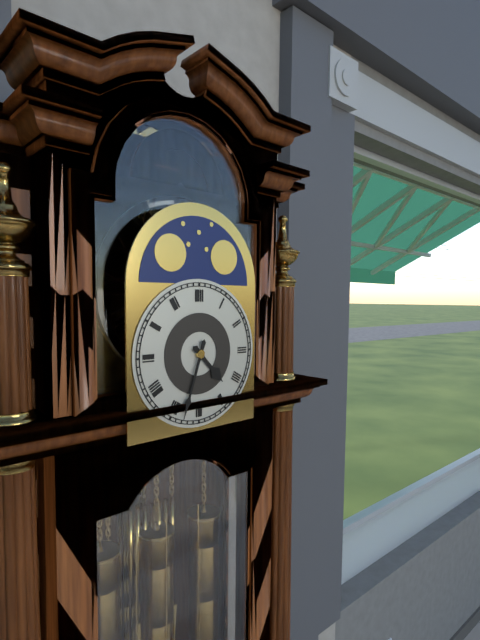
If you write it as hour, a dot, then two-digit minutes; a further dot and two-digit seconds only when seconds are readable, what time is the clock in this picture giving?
4.33
